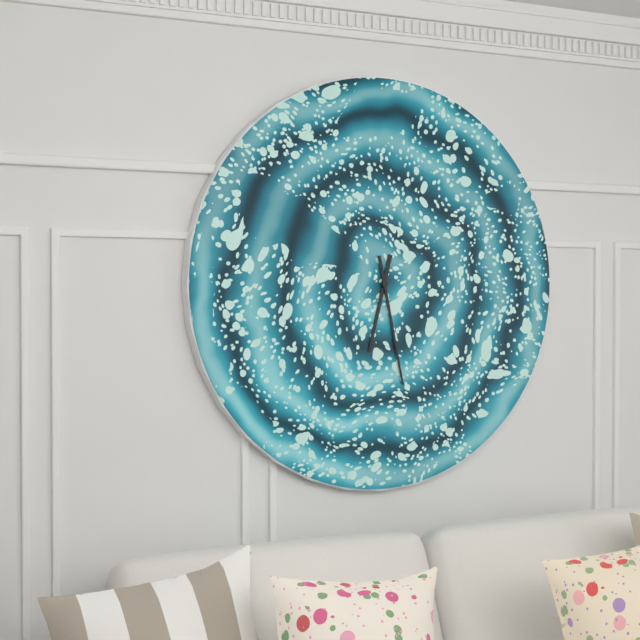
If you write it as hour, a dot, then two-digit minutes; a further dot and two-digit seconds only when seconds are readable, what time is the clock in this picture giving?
6.28
